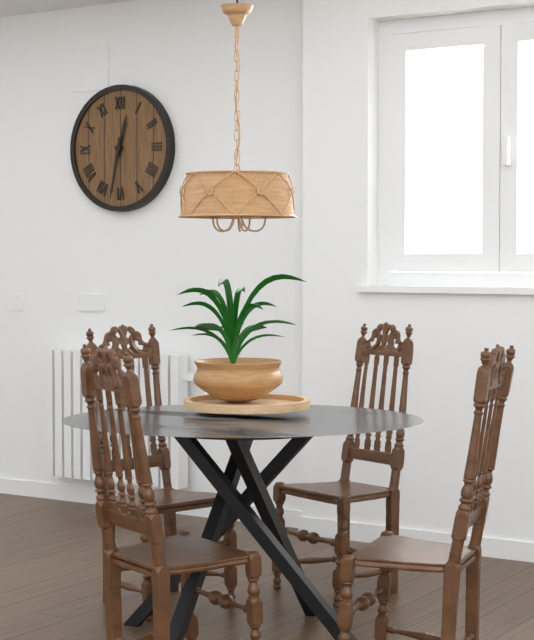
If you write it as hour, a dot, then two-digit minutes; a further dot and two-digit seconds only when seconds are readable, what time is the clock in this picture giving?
12.32
